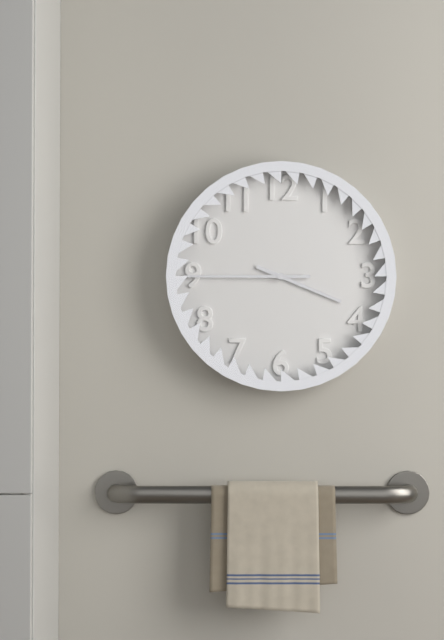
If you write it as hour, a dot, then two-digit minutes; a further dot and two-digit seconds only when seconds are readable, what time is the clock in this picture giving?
3.45
